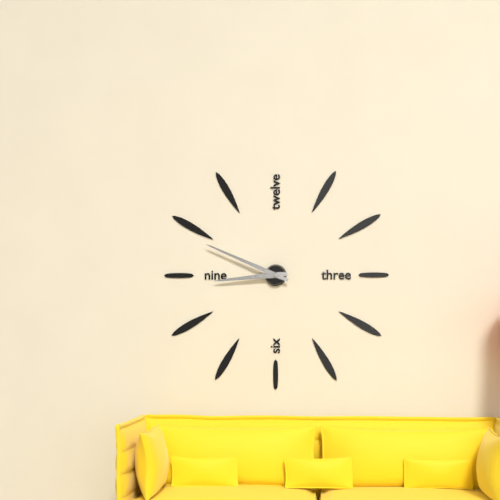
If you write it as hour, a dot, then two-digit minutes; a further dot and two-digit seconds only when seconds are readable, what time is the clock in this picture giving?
8.49
